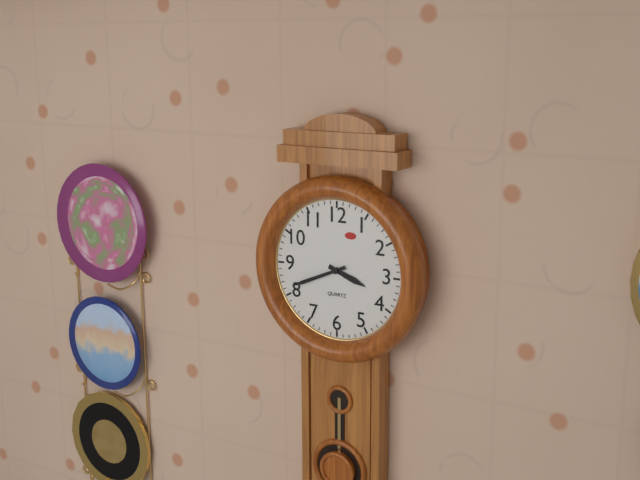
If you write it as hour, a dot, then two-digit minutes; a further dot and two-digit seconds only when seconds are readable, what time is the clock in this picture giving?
3.41
